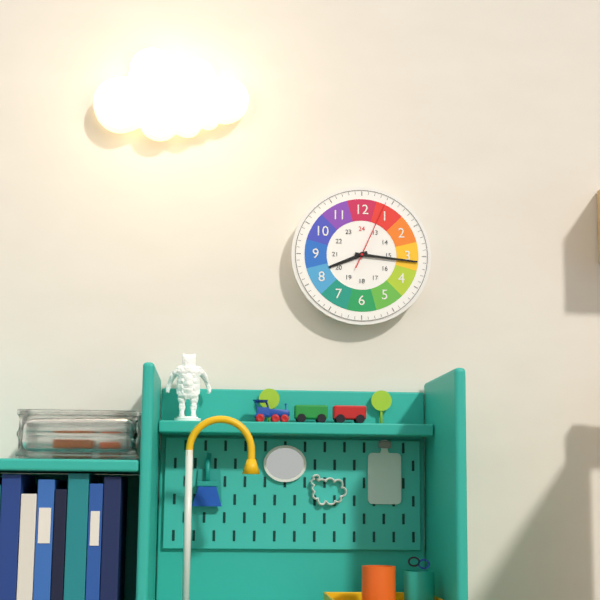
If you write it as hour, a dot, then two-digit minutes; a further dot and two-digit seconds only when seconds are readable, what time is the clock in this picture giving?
8.16.04
